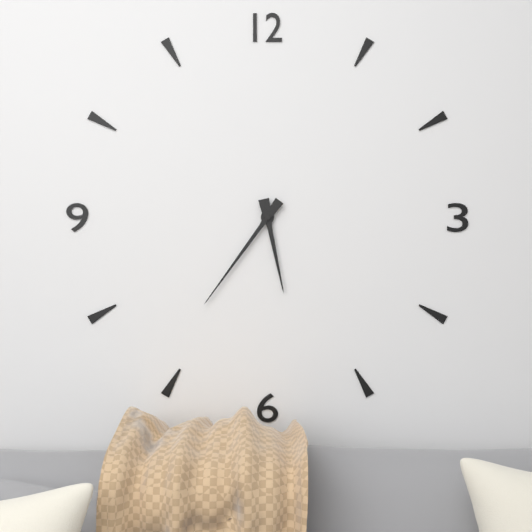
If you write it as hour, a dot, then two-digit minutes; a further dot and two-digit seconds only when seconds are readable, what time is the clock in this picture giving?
5.36
